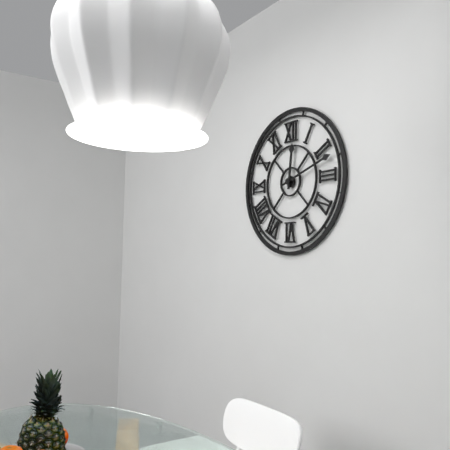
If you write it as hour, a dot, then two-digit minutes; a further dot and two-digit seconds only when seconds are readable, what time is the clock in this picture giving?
12.12
